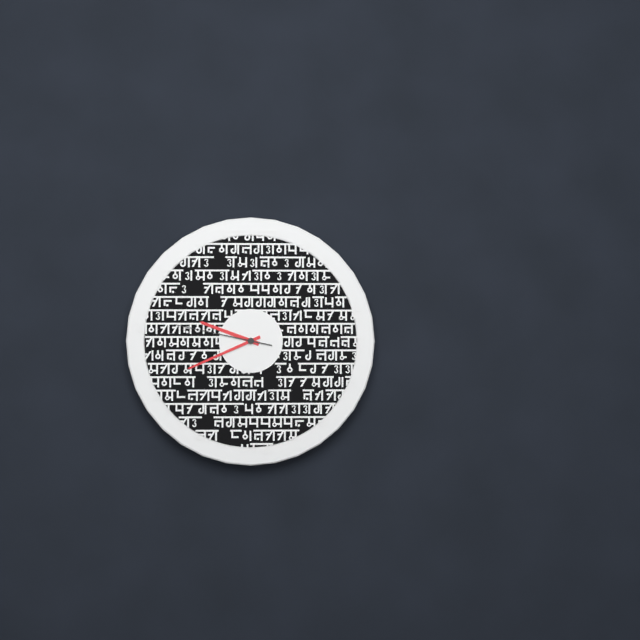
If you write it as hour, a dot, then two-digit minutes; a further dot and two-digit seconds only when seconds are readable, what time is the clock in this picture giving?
9.41.47
